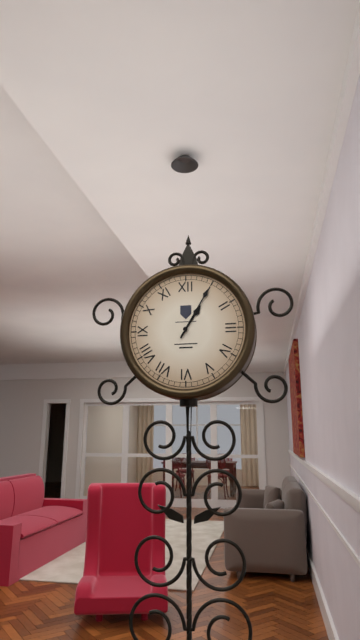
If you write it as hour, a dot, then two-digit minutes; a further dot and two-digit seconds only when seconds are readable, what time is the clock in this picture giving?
1.05
